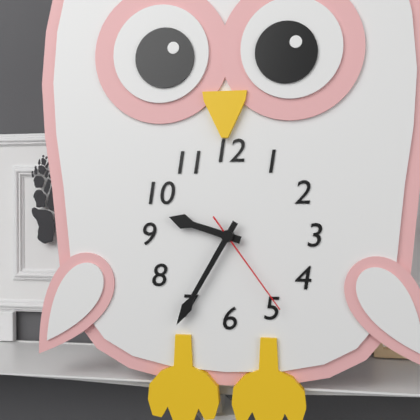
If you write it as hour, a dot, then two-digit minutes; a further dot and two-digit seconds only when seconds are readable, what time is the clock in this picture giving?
9.35.24
